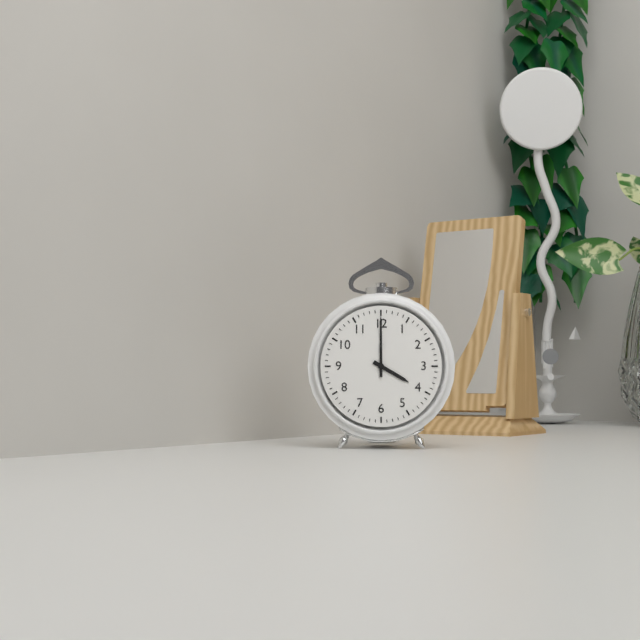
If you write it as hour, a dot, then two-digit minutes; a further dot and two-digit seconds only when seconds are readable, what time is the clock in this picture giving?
4.00
